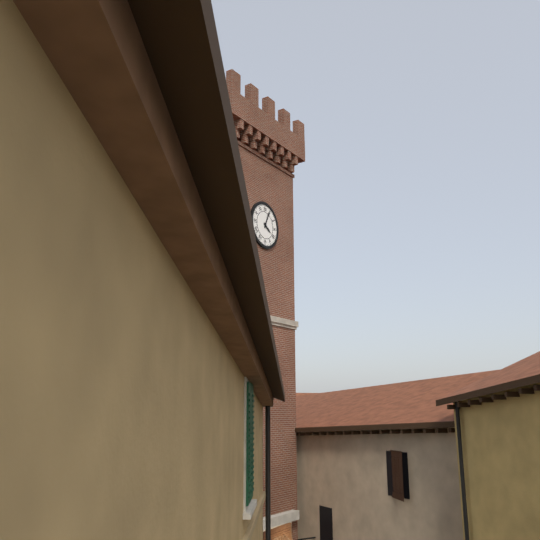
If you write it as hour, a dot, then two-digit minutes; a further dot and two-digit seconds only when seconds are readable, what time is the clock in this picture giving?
4.04
